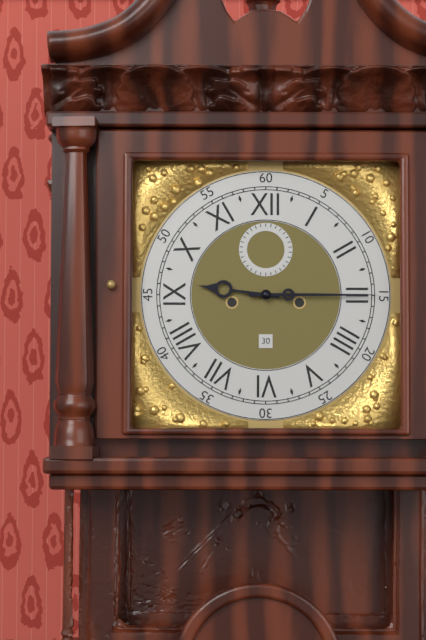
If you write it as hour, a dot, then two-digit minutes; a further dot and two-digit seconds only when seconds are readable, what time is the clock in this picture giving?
9.15
